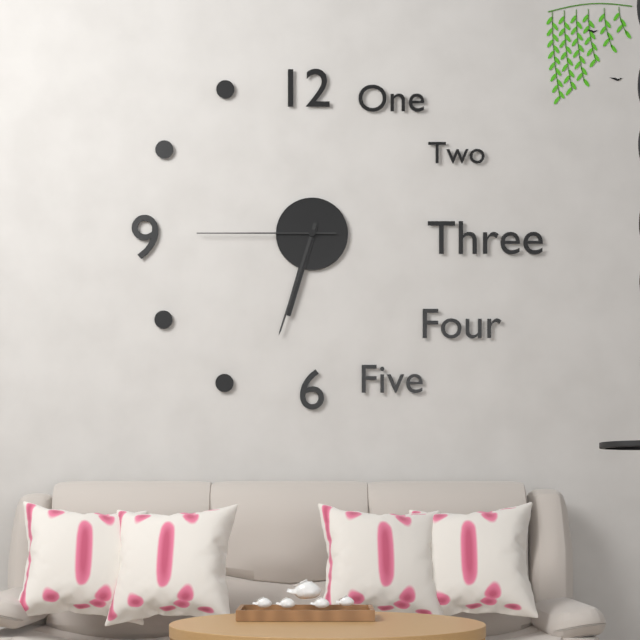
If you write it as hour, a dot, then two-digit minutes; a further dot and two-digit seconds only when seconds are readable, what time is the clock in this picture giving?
6.33.45
